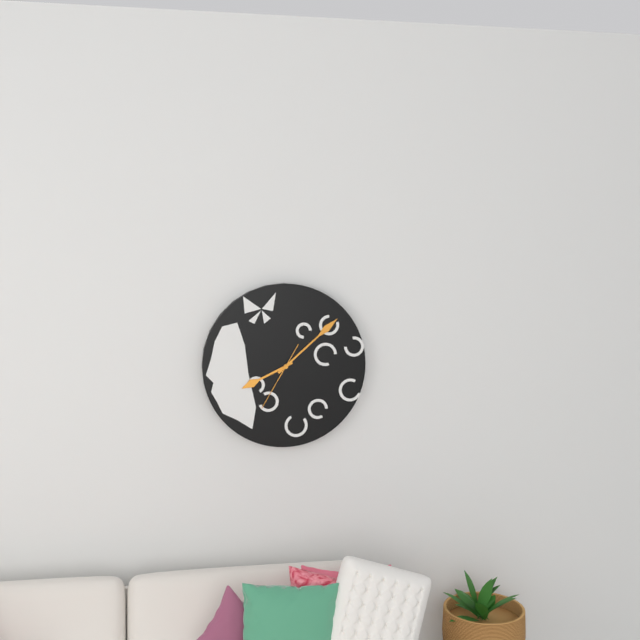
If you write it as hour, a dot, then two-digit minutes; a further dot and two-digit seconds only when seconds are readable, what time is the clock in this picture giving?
8.08.35
